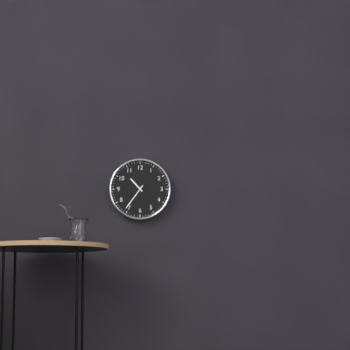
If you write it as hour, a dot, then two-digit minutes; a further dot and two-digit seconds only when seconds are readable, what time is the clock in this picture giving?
10.36
